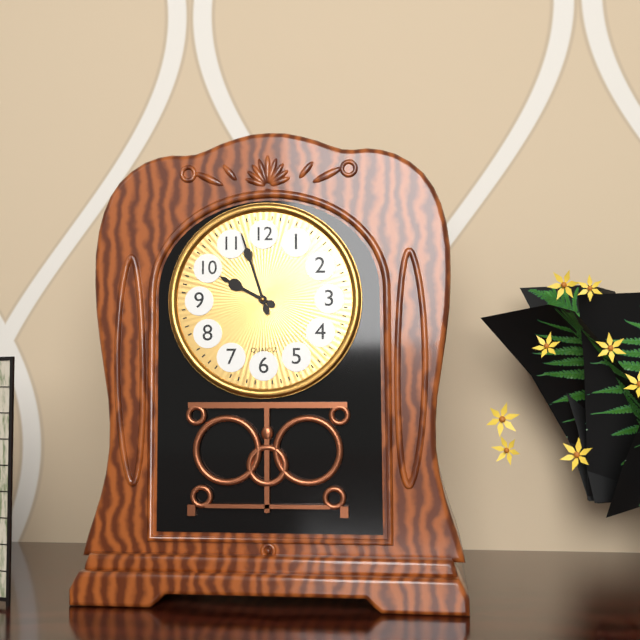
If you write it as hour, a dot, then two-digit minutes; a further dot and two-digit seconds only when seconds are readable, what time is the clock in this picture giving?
9.57
